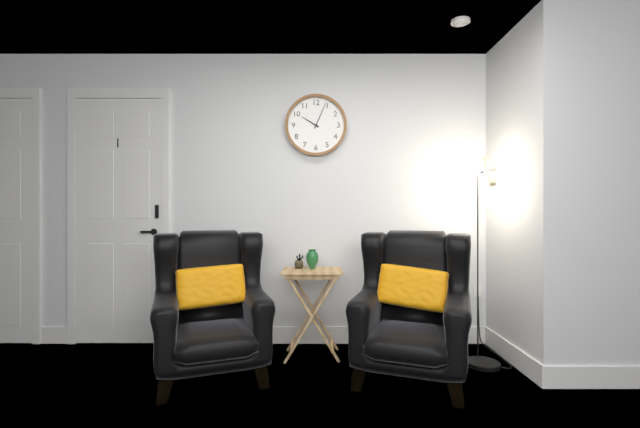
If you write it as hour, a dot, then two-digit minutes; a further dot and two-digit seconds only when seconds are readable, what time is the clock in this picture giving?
10.04
